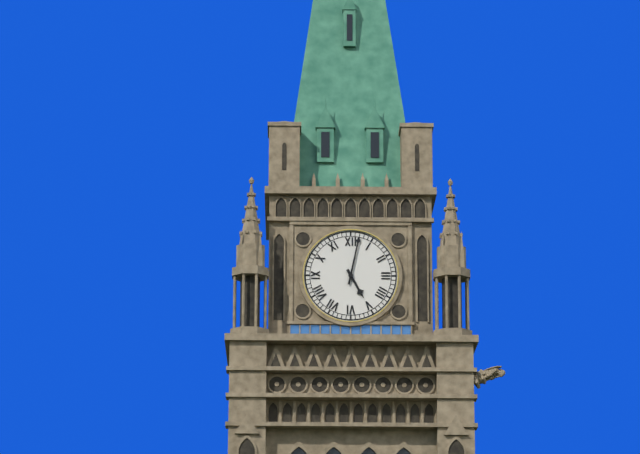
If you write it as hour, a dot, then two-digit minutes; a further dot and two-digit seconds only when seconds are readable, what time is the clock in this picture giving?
5.02
